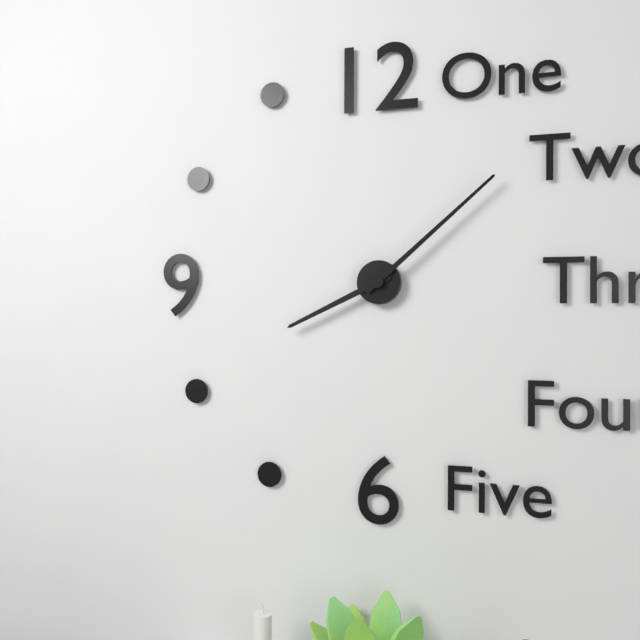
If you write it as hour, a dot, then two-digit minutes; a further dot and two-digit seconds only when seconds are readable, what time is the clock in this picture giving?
8.08
